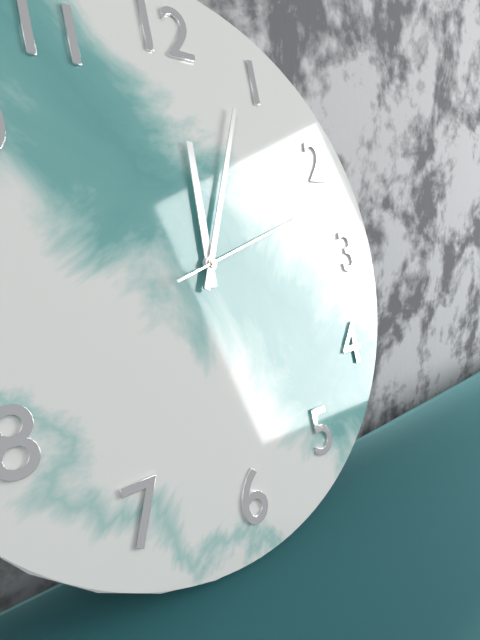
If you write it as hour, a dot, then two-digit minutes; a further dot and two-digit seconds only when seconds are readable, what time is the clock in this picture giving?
12.04.12
